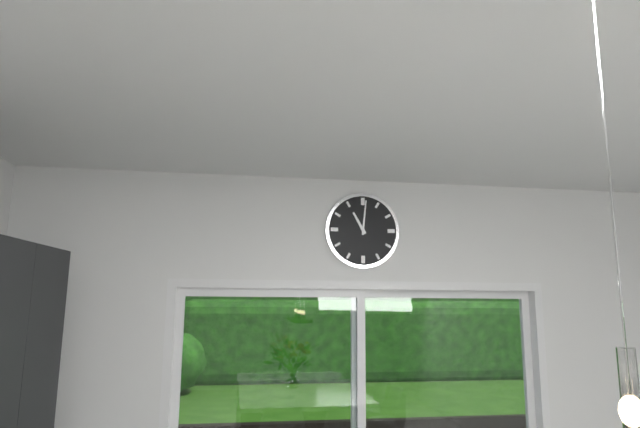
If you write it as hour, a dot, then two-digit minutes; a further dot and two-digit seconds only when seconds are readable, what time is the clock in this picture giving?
11.01
